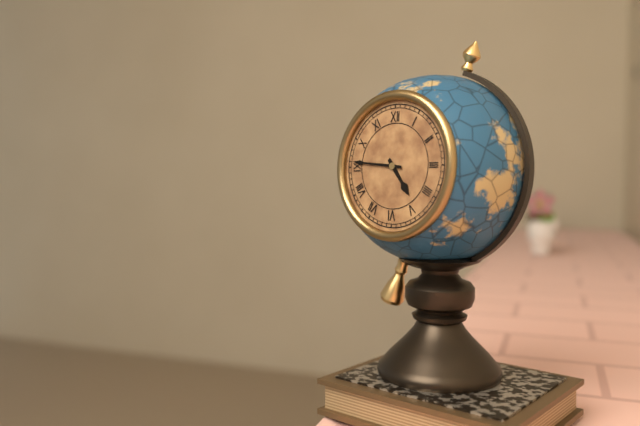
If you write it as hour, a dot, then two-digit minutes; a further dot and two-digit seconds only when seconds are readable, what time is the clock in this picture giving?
4.46
